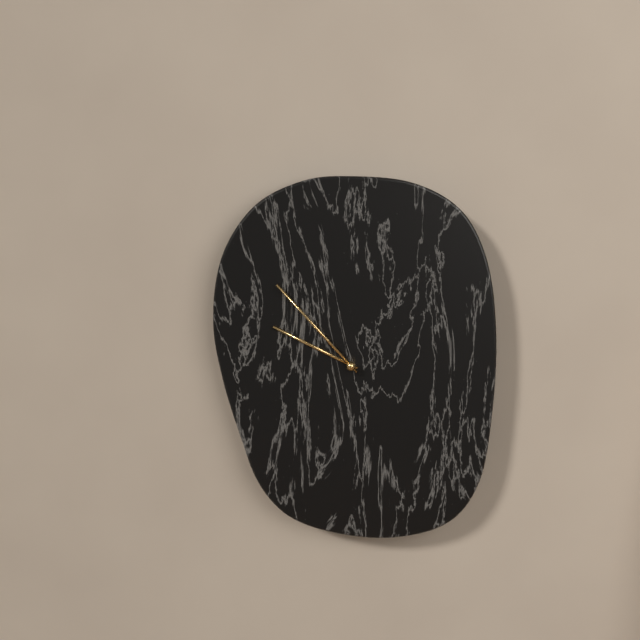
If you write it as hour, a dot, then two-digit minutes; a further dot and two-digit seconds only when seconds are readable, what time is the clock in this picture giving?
9.53
